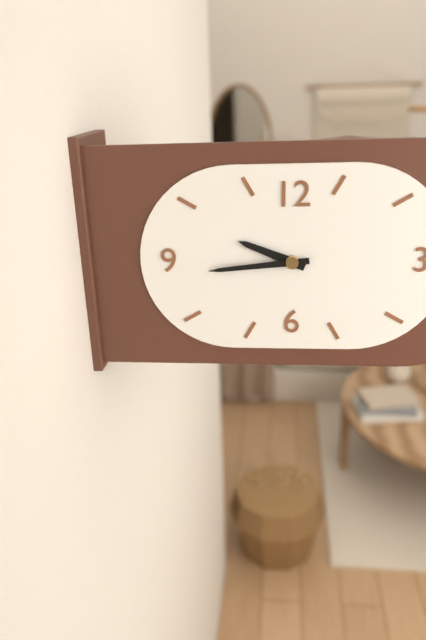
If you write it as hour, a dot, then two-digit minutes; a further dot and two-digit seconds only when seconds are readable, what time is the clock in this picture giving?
9.44
